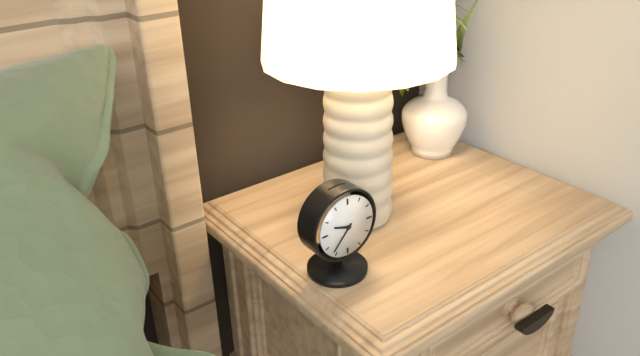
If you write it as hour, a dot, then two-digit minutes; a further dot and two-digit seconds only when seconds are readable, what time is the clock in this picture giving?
9.37
